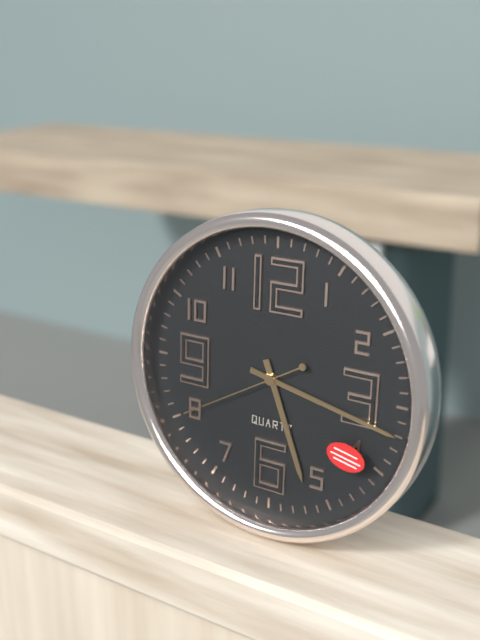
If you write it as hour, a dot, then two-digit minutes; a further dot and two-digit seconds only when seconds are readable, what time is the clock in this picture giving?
5.17.40
